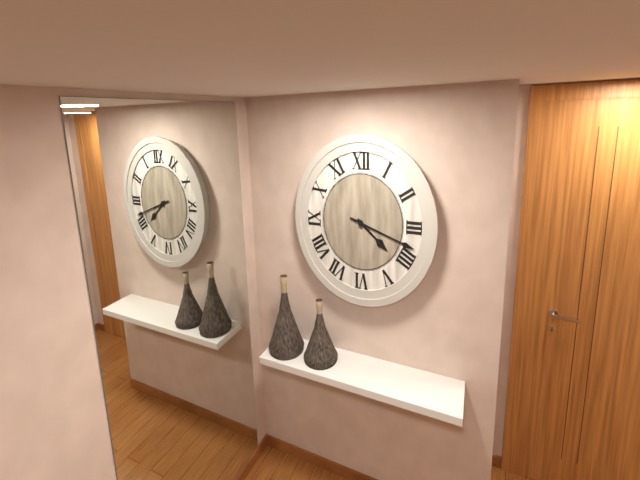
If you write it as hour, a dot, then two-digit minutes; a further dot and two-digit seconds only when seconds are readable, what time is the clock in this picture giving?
4.18
